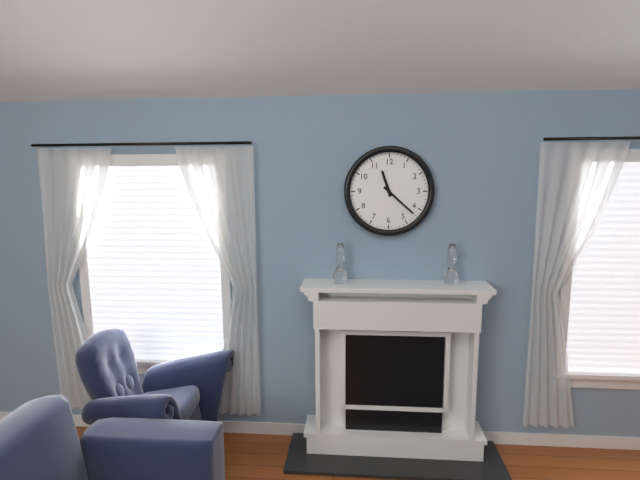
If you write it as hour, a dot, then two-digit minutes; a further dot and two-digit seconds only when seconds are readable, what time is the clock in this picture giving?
11.22
